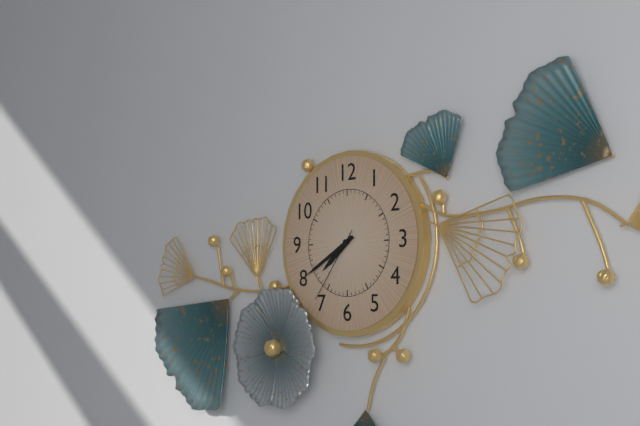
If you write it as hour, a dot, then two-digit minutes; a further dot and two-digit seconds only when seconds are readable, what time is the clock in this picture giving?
7.40.36
